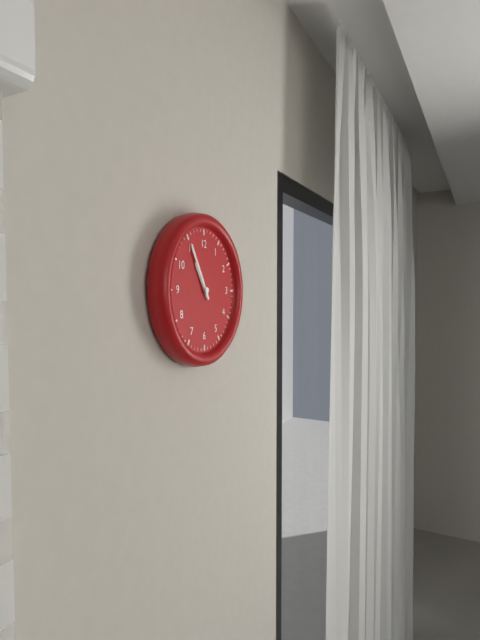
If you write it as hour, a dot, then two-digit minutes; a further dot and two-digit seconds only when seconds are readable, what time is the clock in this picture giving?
10.55
